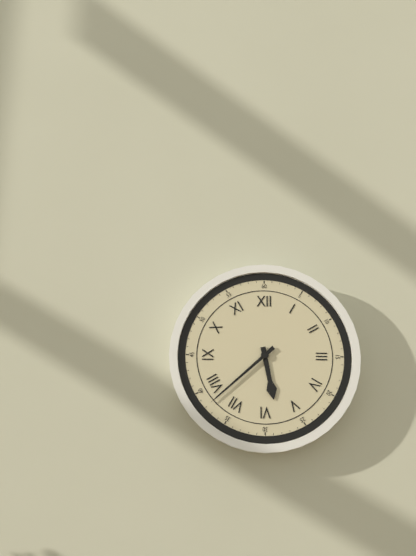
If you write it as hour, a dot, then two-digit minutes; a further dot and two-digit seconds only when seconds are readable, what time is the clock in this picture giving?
5.38
